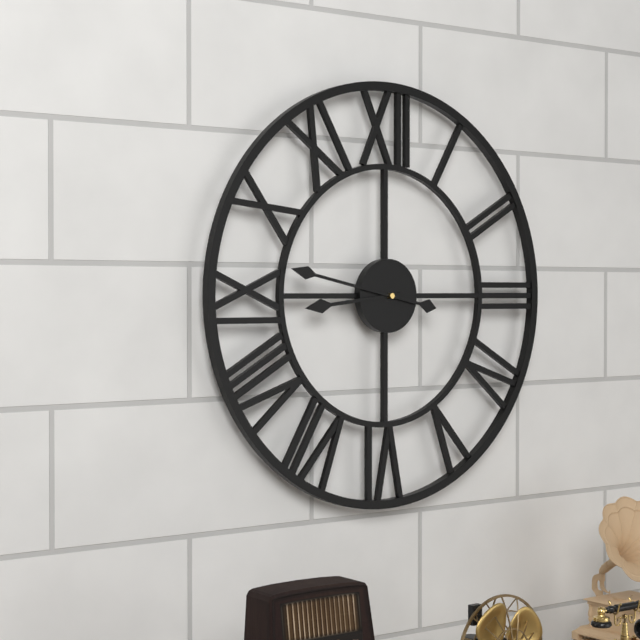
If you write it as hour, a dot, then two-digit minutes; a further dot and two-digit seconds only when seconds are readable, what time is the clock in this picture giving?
8.47
